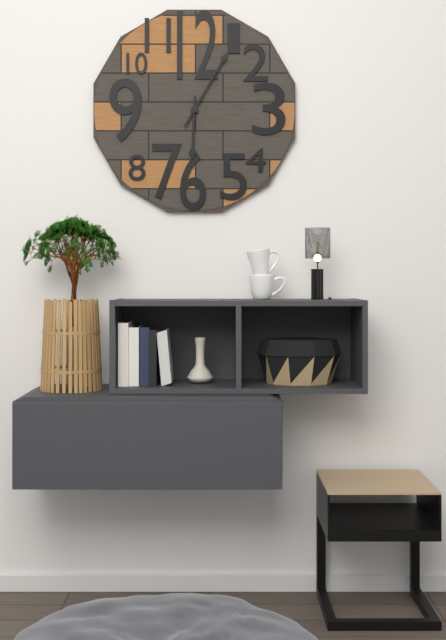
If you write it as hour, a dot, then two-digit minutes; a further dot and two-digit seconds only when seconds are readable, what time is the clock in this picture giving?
6.05
